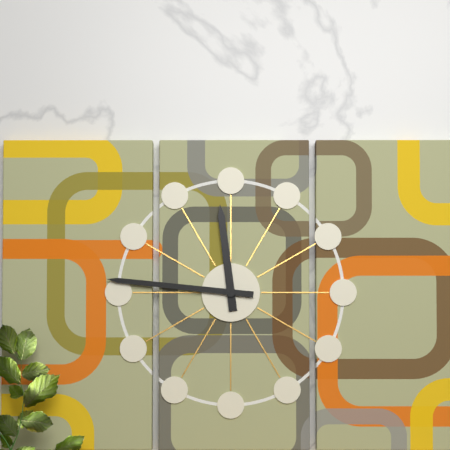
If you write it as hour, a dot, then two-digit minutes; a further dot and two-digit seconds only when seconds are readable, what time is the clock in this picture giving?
11.46
